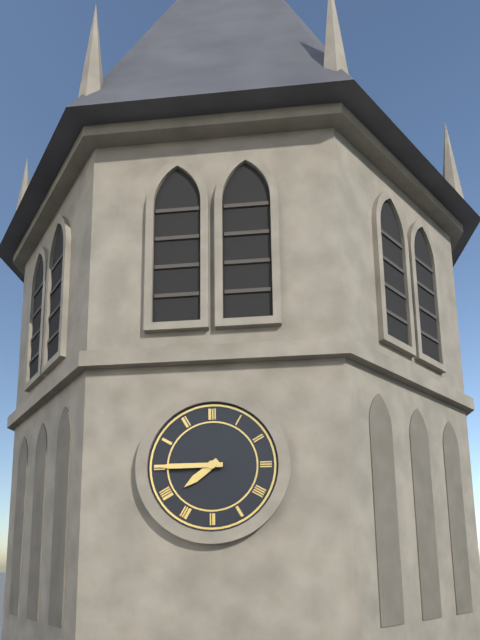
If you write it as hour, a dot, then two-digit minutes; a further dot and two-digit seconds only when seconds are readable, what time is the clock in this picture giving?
7.45
